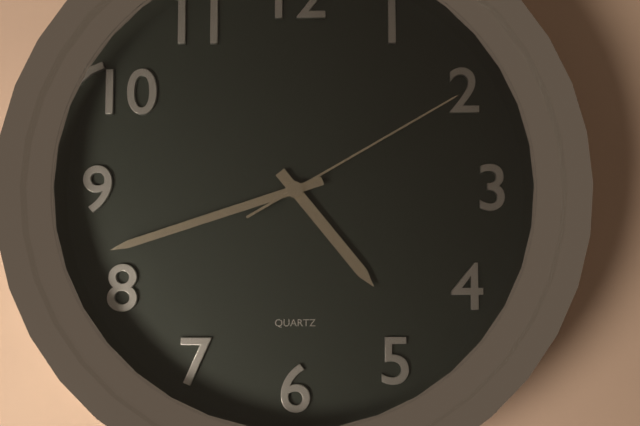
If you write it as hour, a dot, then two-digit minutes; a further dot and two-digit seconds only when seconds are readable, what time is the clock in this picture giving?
4.42.10
